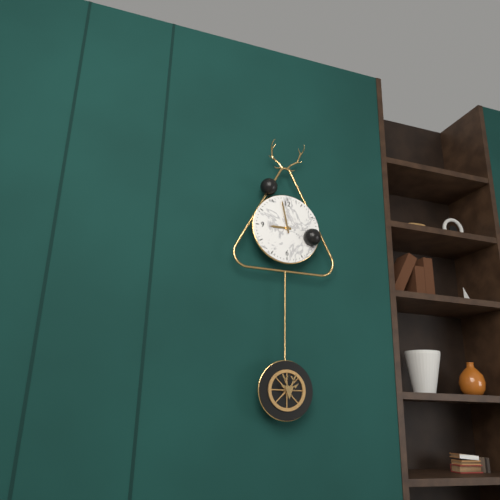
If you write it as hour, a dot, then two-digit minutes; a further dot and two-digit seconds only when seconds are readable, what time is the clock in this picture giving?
8.58
